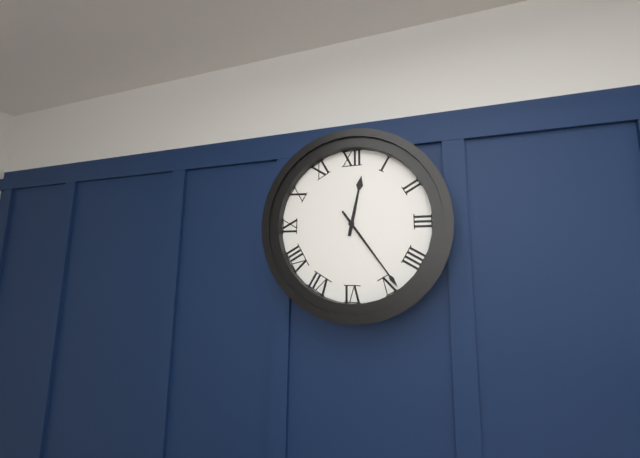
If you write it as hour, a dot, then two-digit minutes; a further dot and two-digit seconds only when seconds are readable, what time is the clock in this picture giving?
12.24
